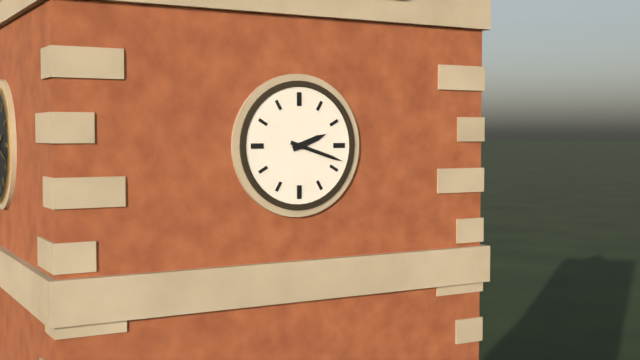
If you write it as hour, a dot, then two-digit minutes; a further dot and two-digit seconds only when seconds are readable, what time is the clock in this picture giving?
2.18
